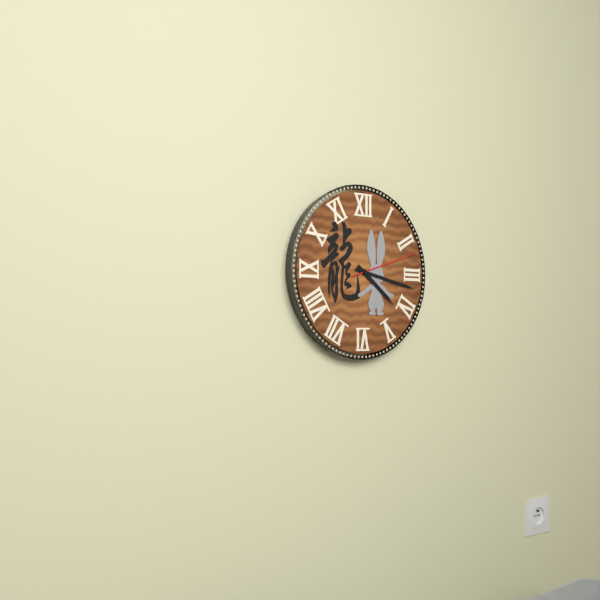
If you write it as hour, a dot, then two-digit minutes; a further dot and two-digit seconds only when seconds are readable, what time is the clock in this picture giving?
4.17.12
